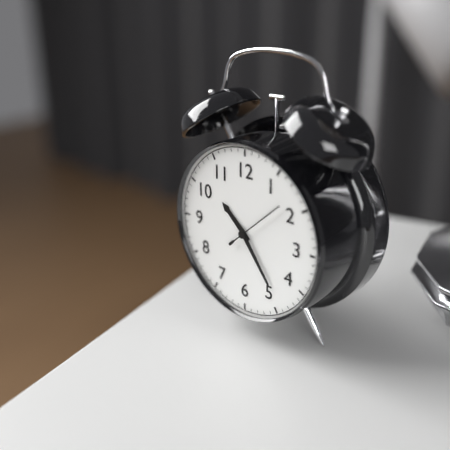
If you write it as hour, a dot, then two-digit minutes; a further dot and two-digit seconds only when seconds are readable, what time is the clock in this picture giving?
10.24.08
